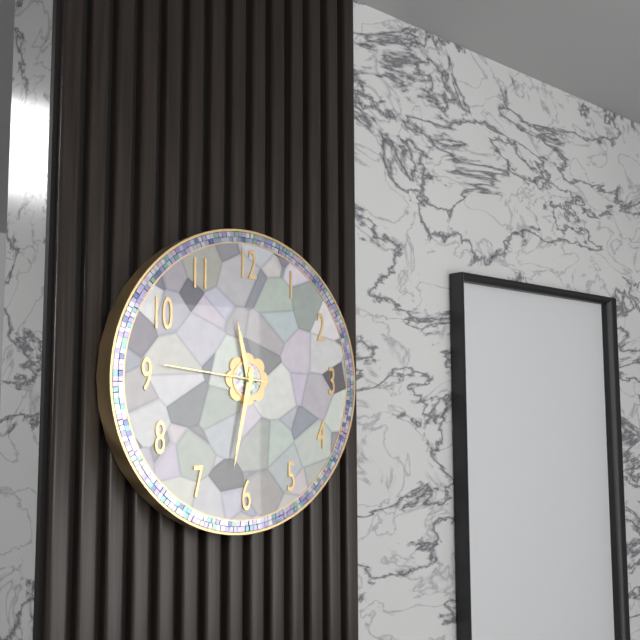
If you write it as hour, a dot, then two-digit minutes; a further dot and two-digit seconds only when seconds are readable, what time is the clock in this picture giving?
11.32.46
